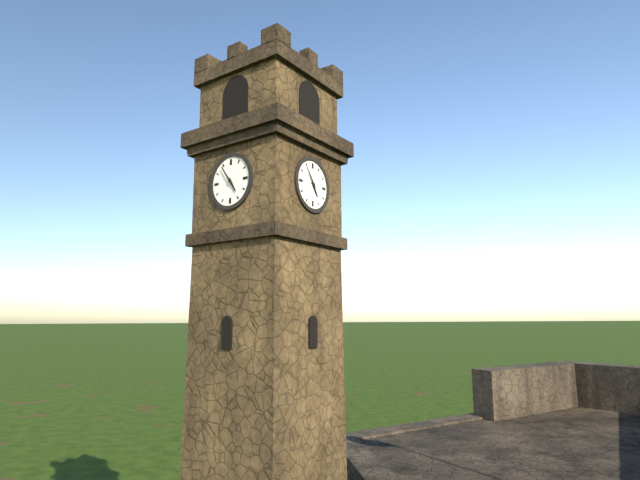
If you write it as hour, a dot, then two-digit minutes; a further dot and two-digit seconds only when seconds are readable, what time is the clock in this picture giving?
4.54
